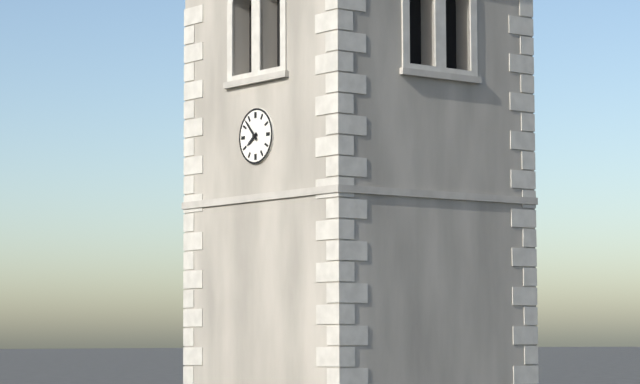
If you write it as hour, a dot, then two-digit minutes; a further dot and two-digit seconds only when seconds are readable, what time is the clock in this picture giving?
7.53
